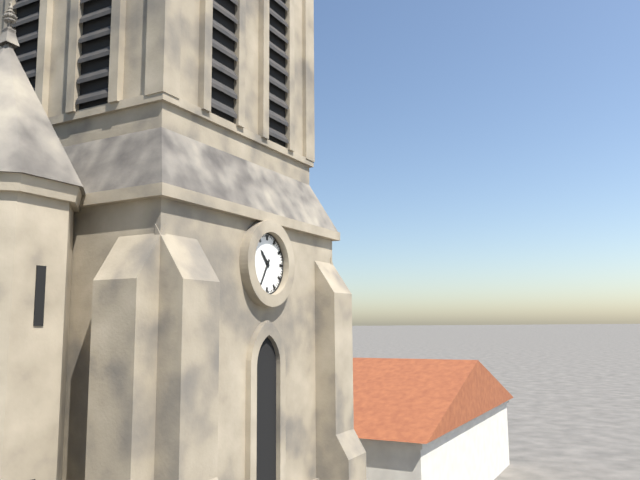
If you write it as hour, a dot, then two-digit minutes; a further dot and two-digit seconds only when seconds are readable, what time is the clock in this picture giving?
10.35
